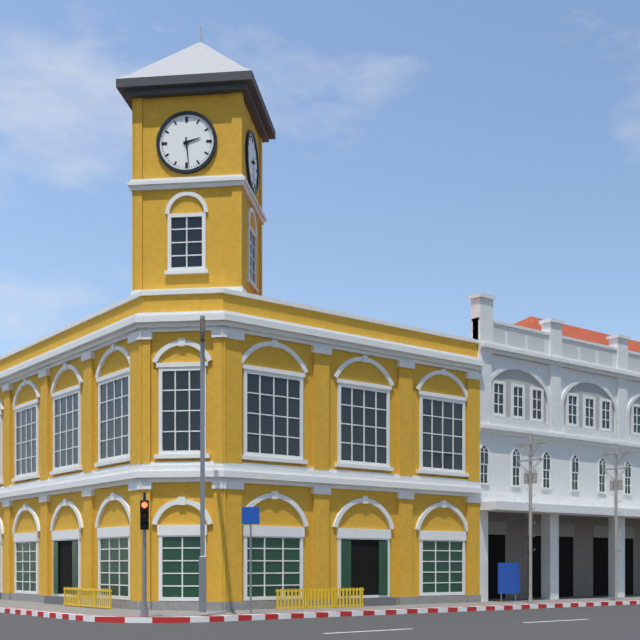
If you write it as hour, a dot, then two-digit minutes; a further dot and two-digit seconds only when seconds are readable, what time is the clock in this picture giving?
2.29
